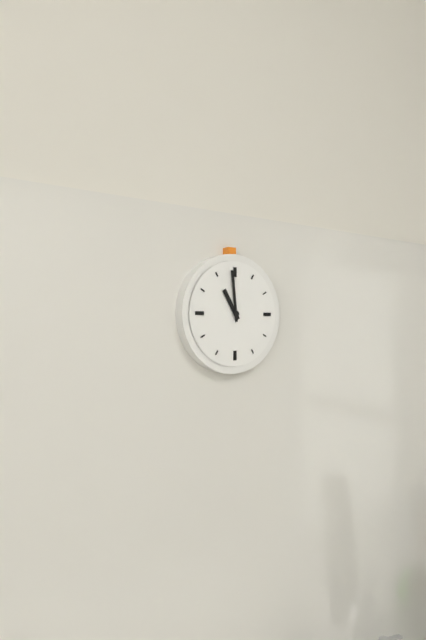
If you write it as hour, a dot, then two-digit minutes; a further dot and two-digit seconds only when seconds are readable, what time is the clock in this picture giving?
10.59
